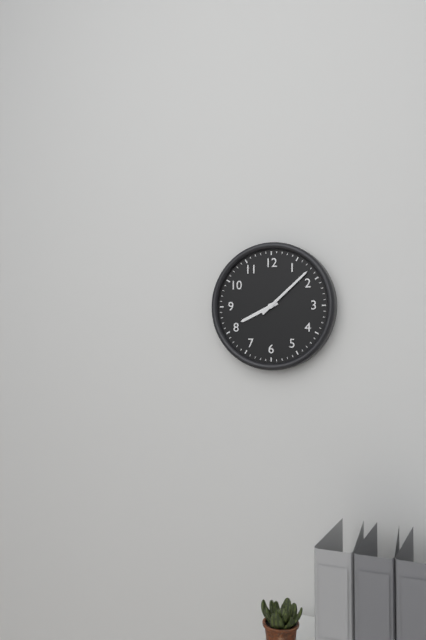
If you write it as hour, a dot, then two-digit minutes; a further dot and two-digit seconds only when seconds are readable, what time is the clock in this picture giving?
8.08
